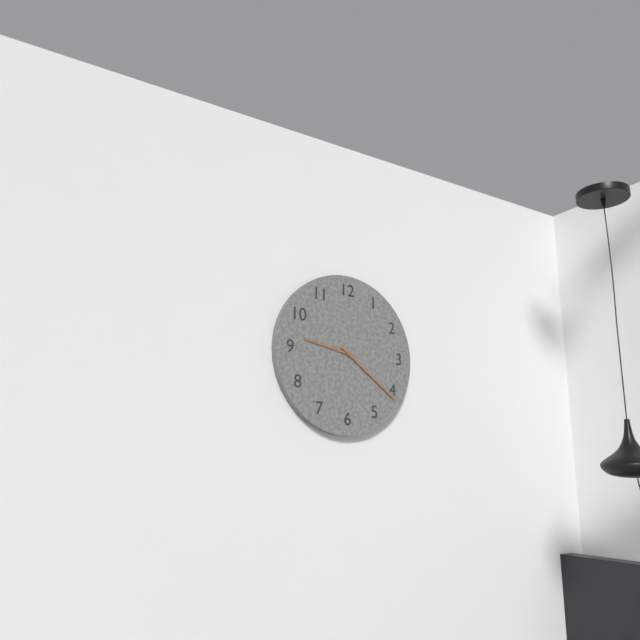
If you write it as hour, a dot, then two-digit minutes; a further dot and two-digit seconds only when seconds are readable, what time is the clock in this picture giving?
9.21
